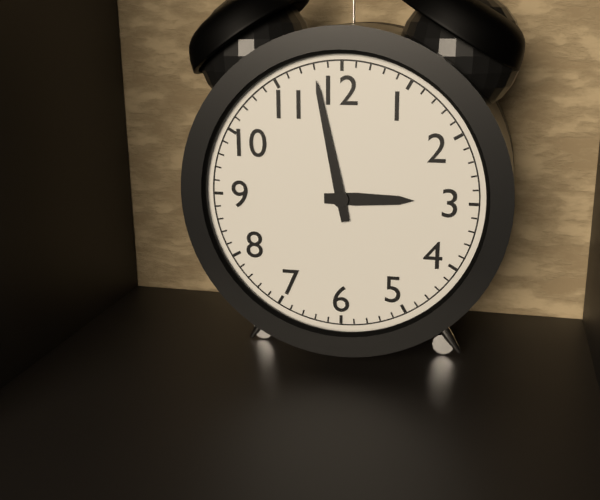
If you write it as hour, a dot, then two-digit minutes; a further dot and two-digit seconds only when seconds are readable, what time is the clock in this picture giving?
2.58
